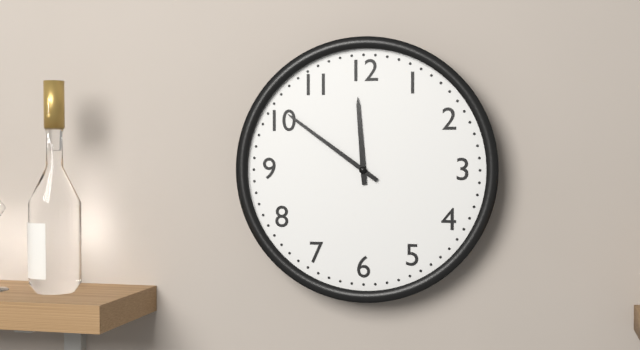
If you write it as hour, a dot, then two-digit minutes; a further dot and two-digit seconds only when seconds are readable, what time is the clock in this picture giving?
11.51
